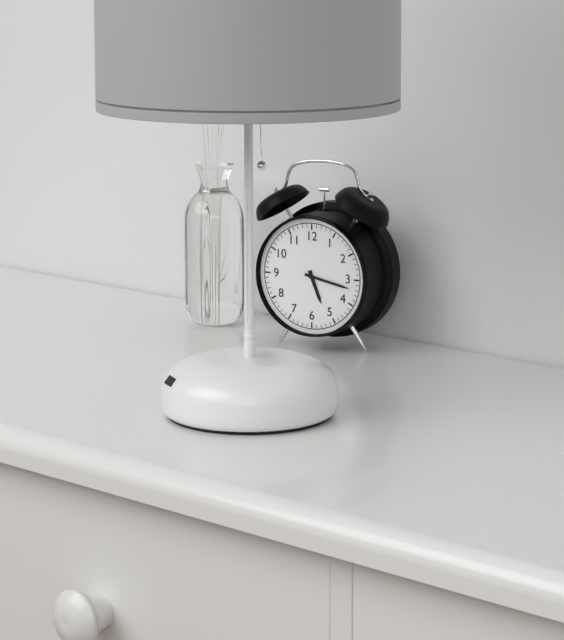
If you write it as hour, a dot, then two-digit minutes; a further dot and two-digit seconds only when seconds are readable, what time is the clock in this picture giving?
5.17
